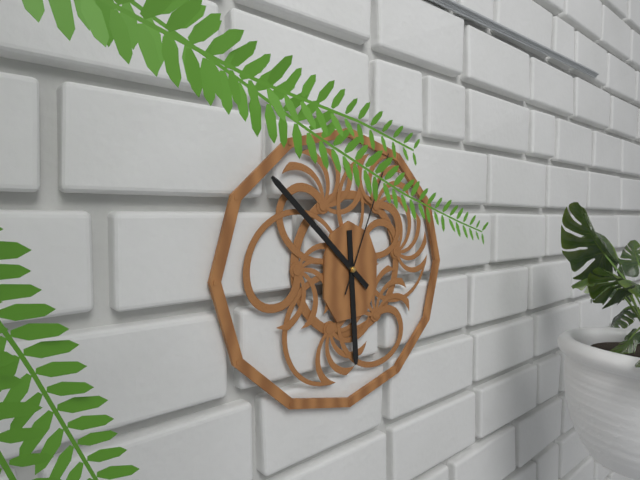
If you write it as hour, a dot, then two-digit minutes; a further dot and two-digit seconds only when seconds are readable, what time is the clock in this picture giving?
5.52.04
